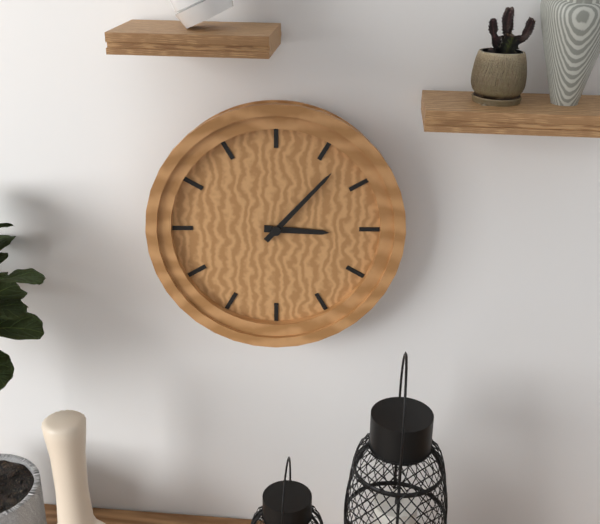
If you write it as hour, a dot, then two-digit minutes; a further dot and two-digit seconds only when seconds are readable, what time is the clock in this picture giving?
3.07
